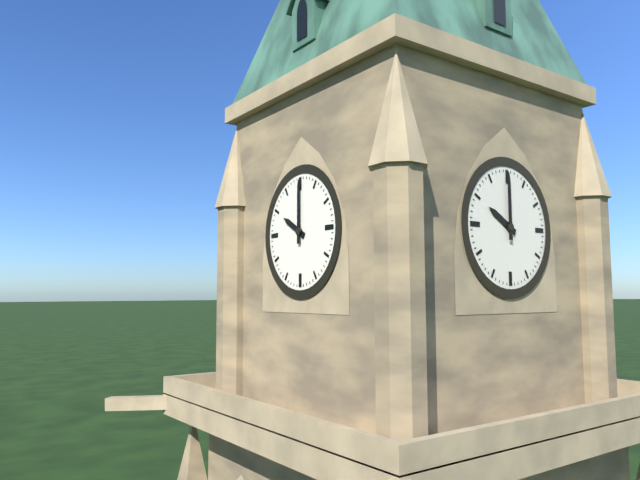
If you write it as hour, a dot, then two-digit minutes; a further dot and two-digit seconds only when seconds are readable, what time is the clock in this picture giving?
10.00
